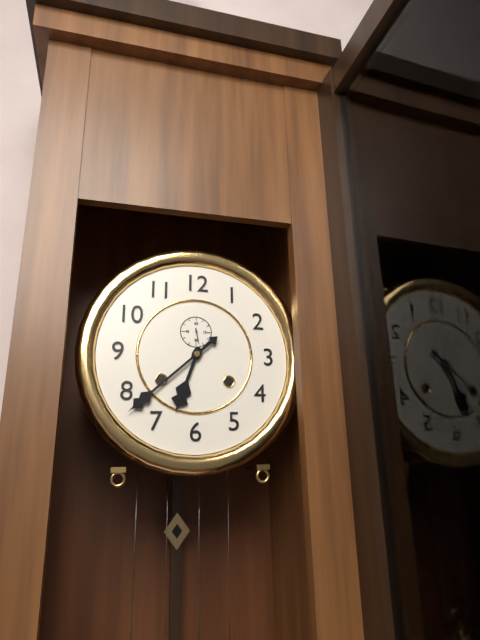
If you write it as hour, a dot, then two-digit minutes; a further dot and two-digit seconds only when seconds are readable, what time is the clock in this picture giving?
6.38
